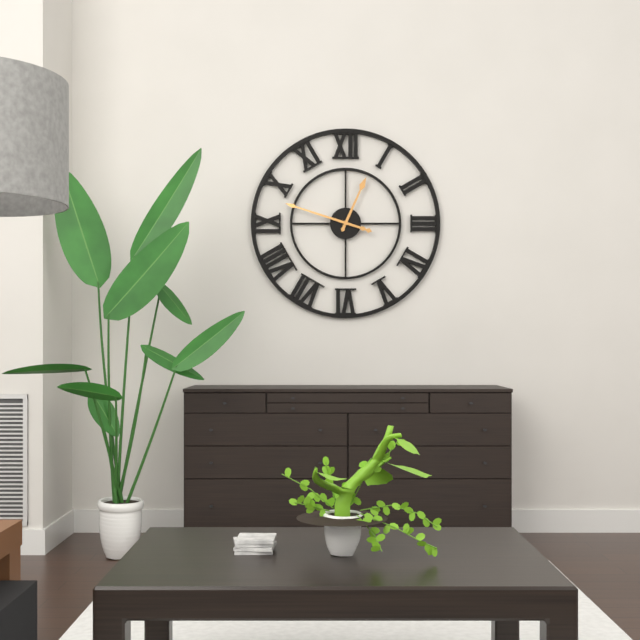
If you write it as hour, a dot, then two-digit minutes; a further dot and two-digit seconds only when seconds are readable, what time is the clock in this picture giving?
12.48
